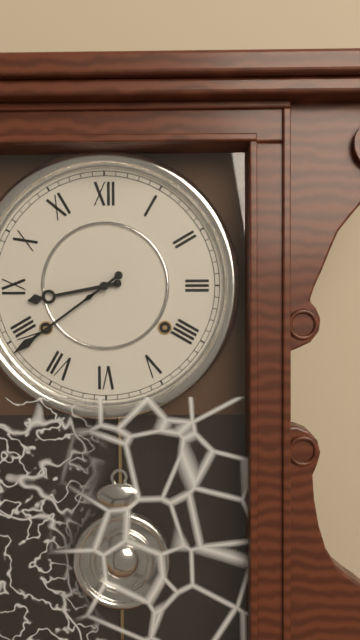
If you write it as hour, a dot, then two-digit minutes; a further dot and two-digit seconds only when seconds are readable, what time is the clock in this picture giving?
8.39
